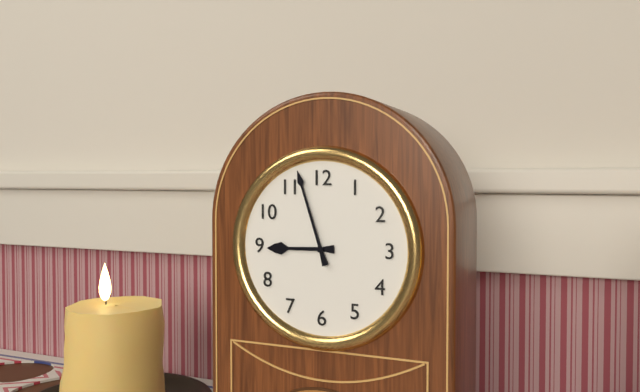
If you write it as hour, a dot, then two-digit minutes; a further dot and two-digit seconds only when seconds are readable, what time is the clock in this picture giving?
8.57
